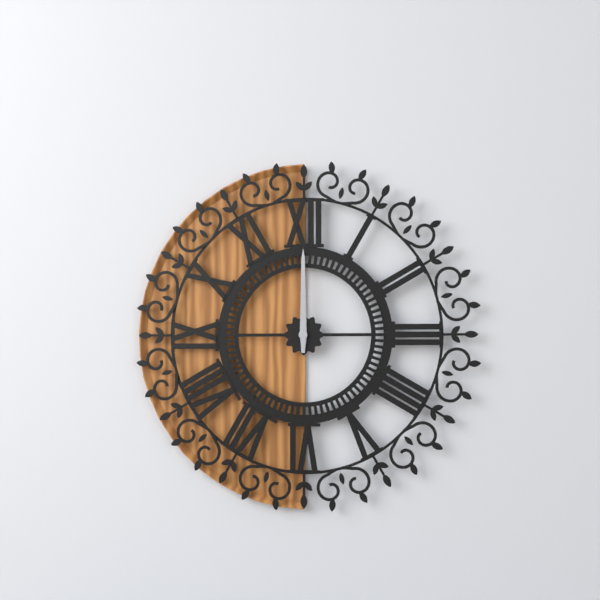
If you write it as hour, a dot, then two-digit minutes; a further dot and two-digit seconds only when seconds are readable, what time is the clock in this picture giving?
12.00
